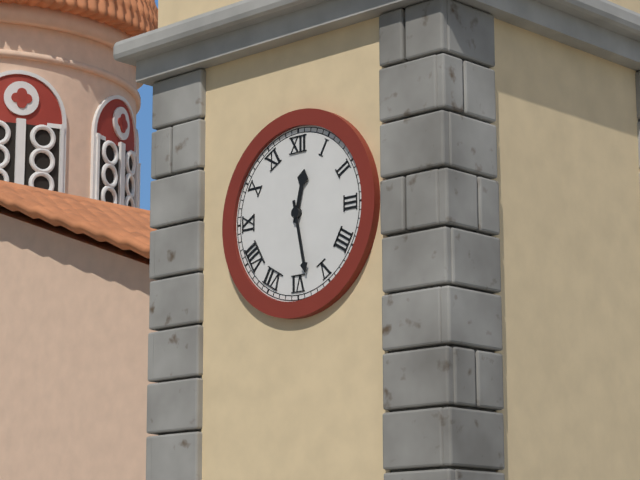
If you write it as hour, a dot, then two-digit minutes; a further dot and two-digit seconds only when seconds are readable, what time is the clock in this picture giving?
12.28
